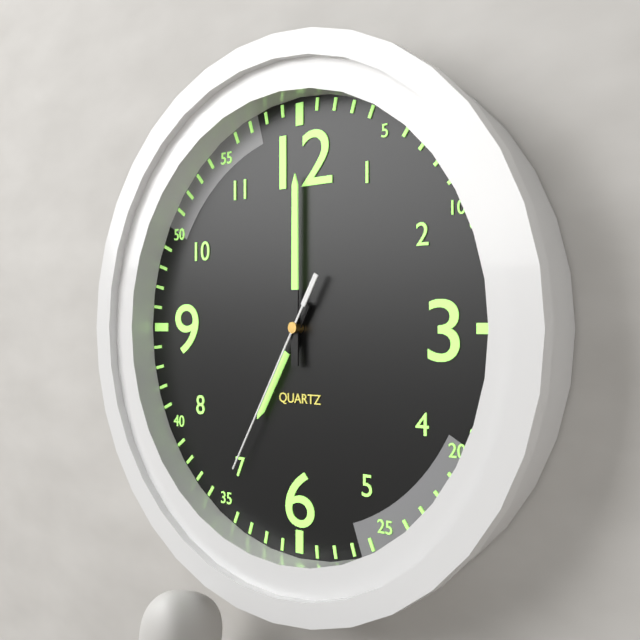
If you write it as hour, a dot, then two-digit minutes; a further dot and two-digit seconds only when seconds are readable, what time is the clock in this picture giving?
7.00.35
